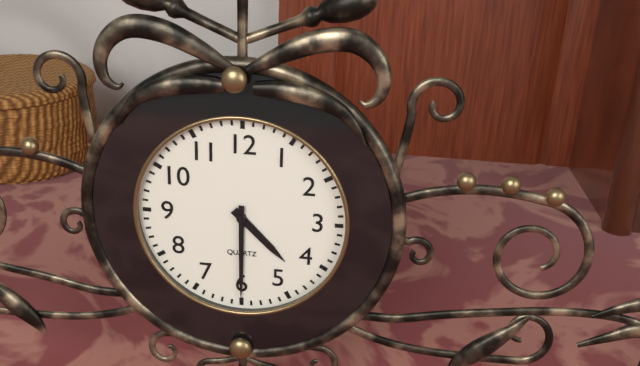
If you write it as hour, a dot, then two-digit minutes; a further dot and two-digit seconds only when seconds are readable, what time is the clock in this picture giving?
4.30
